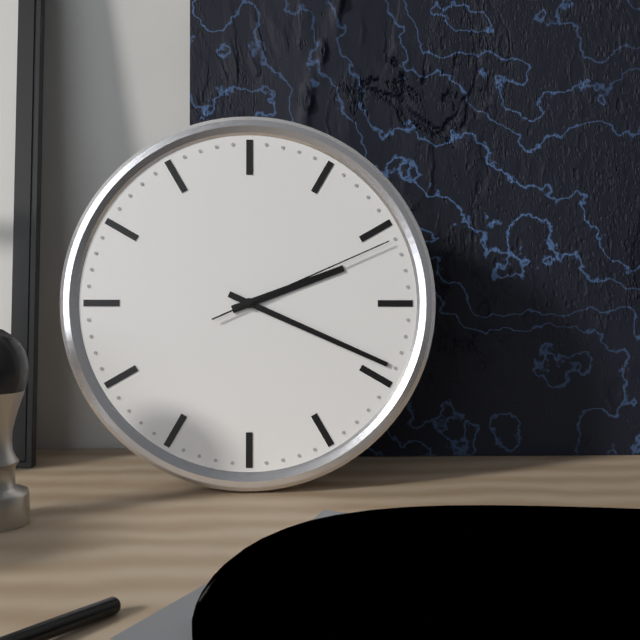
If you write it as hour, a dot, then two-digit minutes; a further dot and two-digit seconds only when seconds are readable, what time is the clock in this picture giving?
2.19.11
